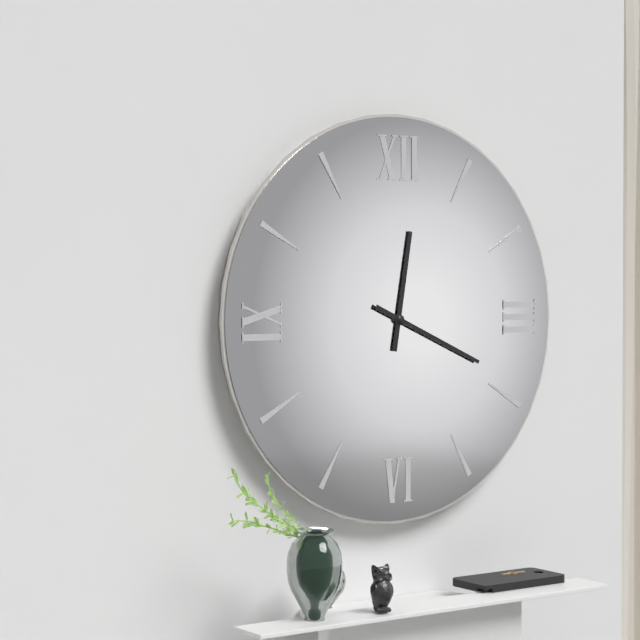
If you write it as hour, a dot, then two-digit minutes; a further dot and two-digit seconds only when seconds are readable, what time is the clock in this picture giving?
12.19
